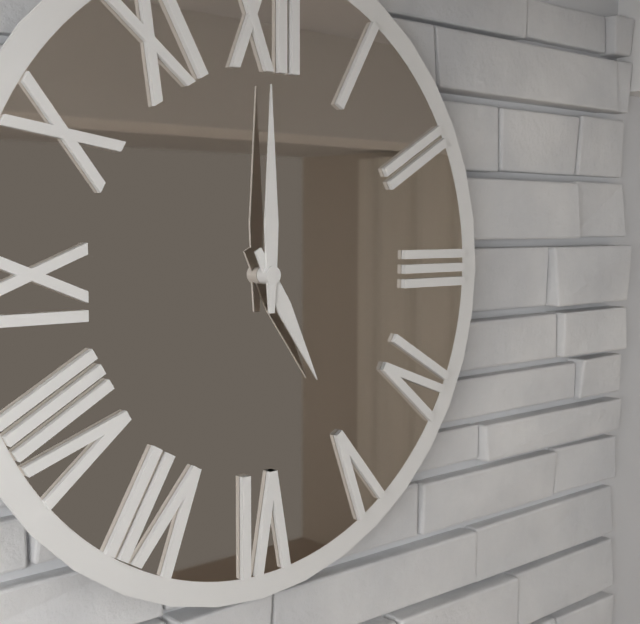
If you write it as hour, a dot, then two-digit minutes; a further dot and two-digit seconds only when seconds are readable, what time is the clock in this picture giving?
5.00
